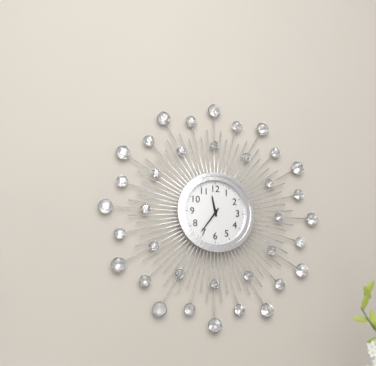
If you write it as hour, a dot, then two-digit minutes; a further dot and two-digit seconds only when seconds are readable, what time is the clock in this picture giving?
11.36
